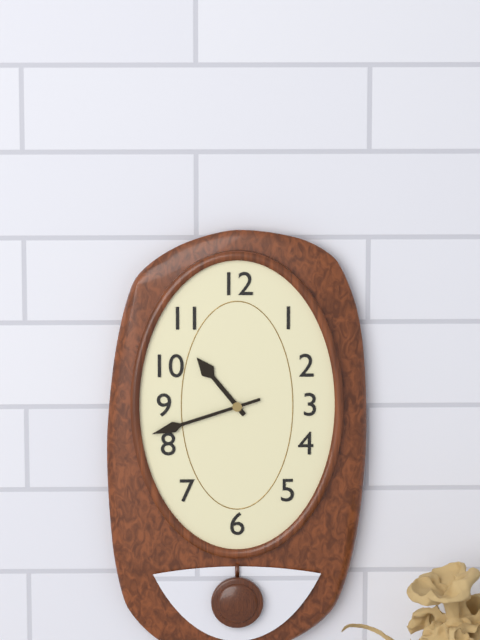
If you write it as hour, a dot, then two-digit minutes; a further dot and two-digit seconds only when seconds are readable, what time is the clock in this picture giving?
10.42
